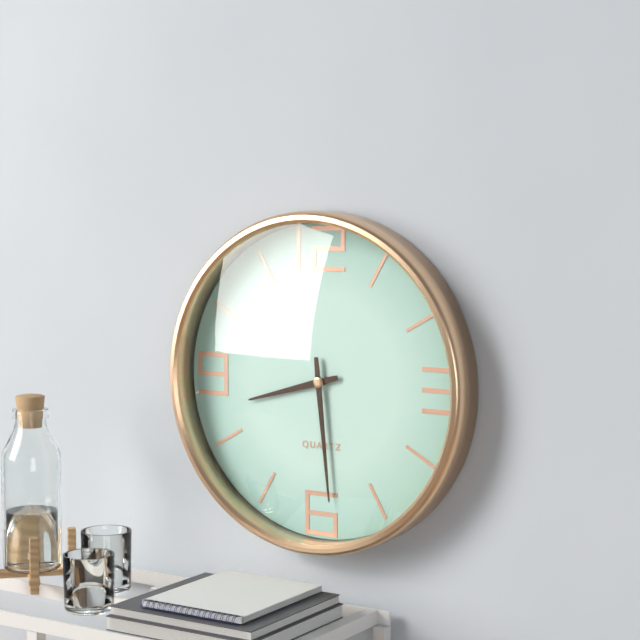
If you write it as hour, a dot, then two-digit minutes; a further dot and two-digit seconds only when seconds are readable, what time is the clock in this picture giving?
8.29
